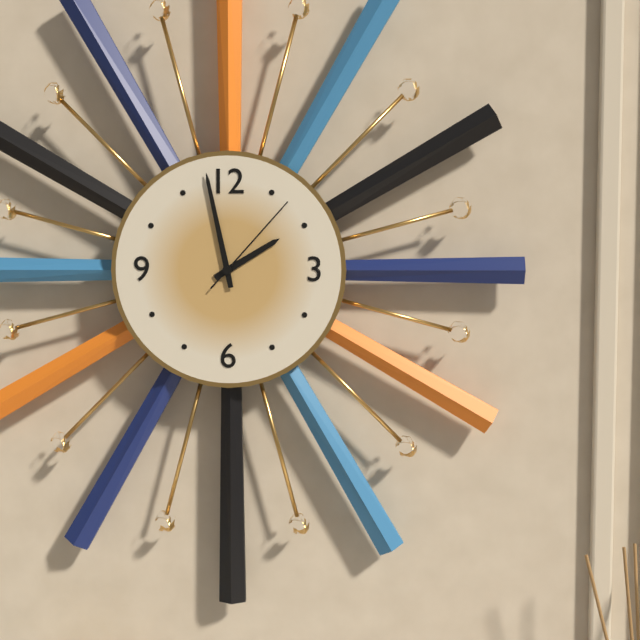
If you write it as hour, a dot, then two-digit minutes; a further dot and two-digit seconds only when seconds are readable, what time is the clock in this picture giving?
1.58.07
